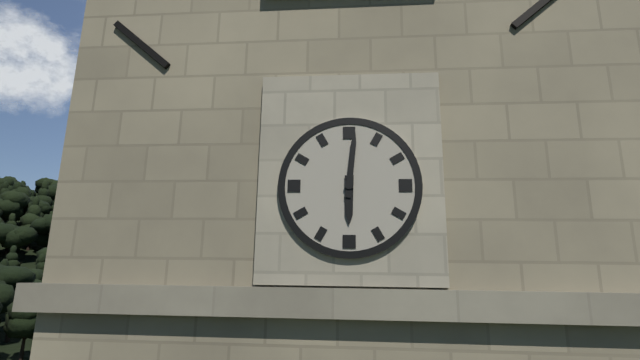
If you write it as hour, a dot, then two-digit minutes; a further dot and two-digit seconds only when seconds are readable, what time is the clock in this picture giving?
6.01
